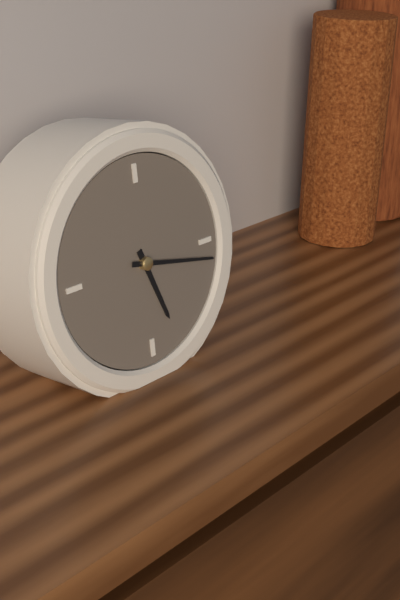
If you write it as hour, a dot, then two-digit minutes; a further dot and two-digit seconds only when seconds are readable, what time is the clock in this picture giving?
5.17
